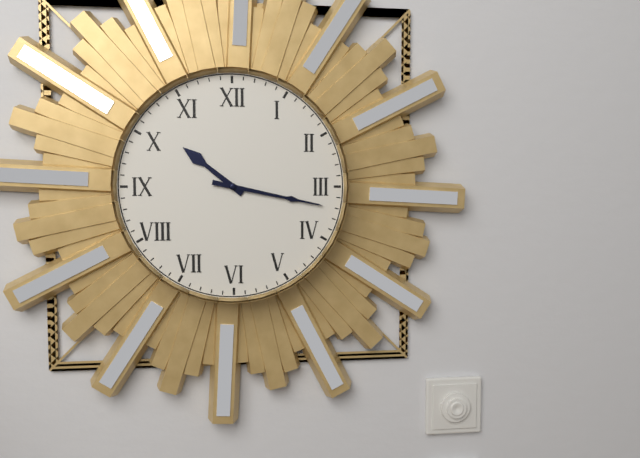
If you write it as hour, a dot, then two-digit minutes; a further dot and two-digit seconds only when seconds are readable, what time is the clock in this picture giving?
10.17
